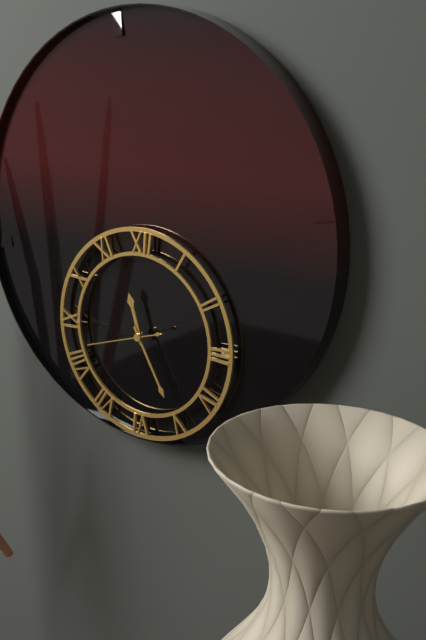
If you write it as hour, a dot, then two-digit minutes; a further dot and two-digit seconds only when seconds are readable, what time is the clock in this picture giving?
11.25.42
